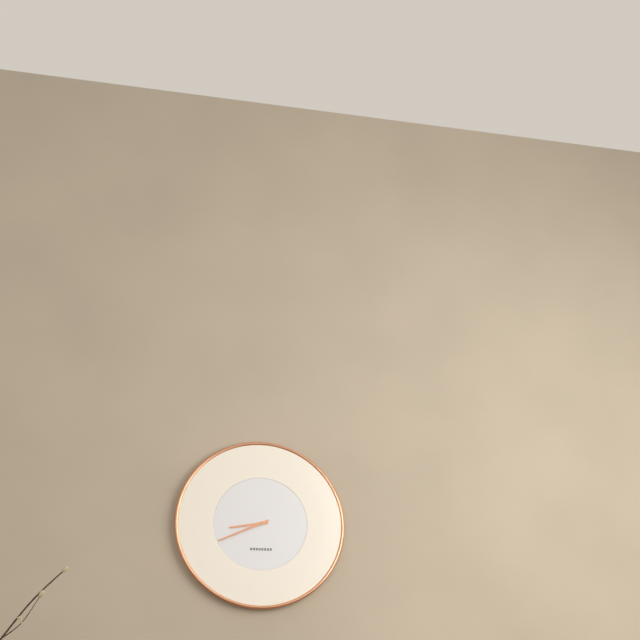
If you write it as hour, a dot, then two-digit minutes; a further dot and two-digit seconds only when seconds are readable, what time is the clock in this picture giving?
8.41
